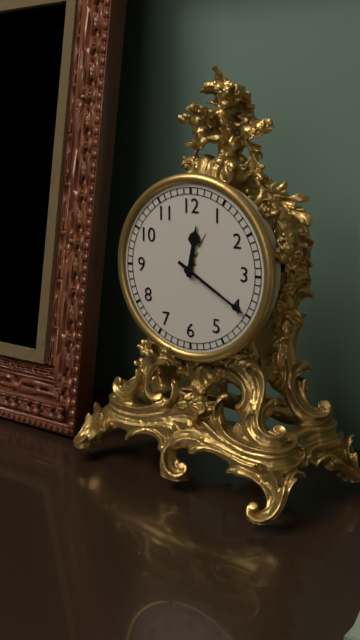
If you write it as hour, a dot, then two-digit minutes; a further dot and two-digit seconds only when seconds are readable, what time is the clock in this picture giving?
12.20
